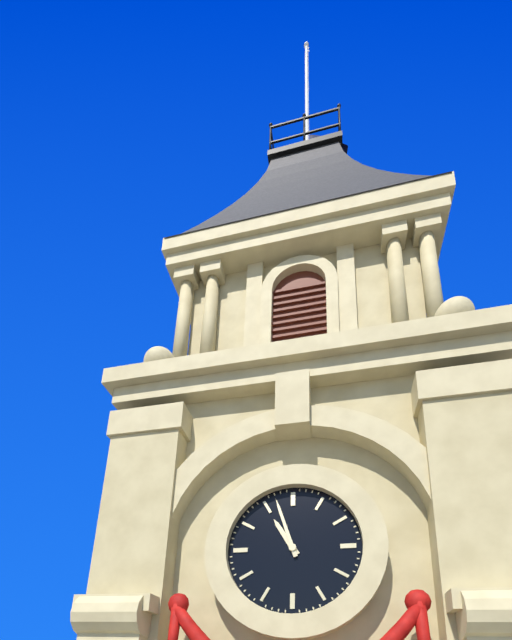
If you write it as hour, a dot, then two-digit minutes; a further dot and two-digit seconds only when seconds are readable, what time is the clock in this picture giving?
10.57
